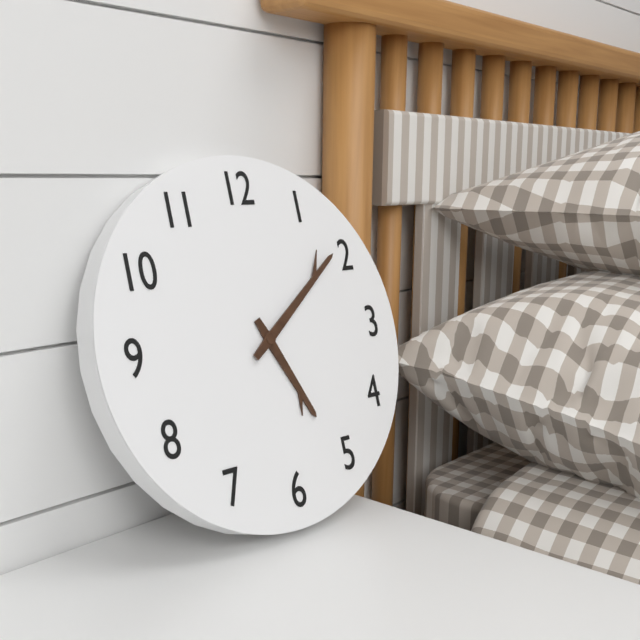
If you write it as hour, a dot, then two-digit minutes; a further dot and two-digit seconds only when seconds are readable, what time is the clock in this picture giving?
5.09
